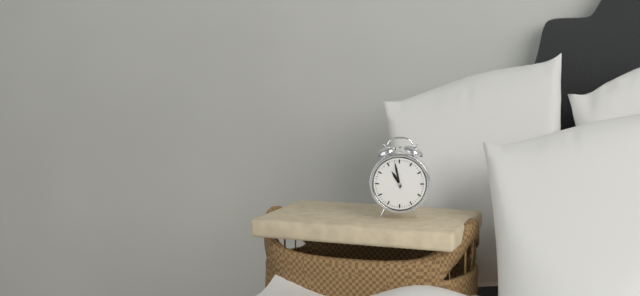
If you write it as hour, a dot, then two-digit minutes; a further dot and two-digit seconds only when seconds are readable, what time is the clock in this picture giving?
10.58
